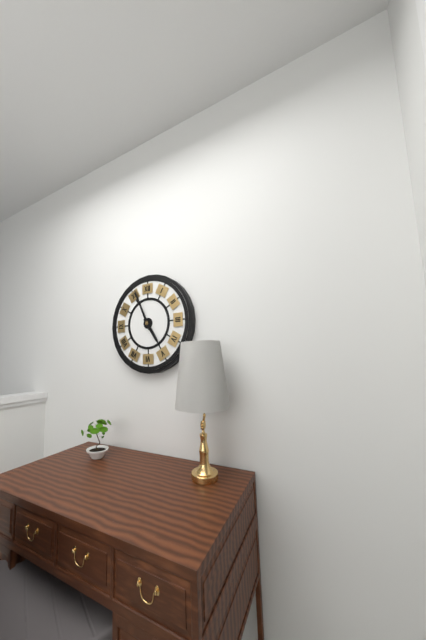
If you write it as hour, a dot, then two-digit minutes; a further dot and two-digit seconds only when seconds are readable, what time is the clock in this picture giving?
4.56
